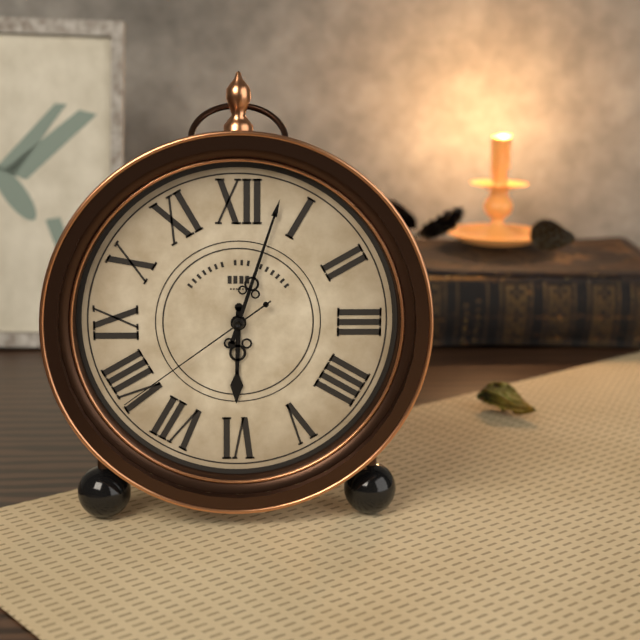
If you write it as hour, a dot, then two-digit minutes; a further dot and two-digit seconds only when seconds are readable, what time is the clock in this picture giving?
6.03.39
